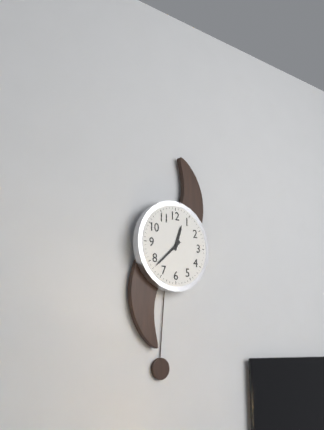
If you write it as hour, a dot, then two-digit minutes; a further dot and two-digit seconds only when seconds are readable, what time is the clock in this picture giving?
12.38
